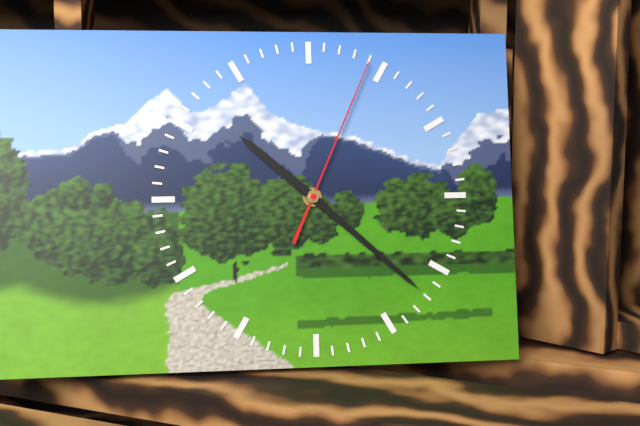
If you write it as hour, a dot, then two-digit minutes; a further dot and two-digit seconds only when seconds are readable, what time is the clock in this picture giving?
10.22.04
